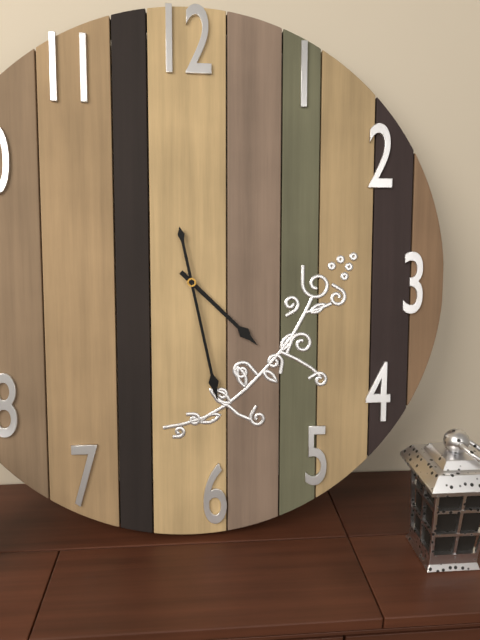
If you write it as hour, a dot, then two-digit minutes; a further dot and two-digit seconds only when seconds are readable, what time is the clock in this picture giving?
4.28
